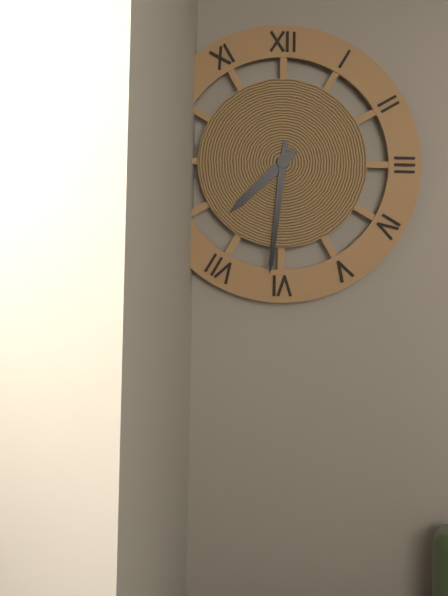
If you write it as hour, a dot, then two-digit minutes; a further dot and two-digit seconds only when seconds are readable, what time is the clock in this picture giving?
7.31
